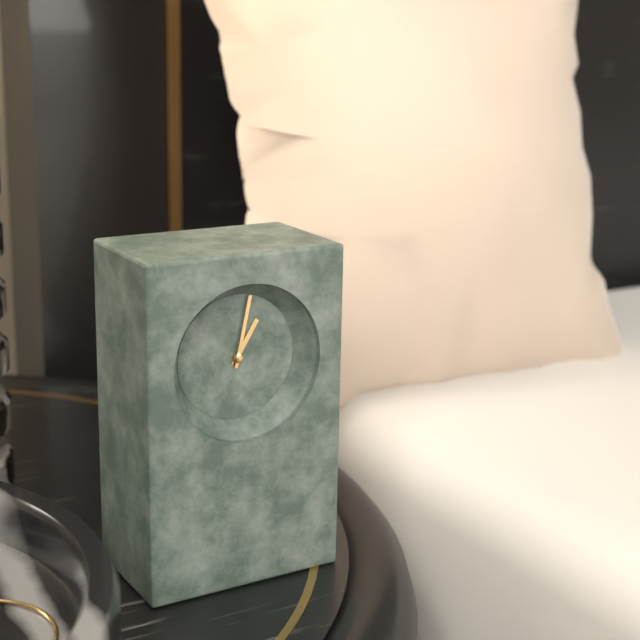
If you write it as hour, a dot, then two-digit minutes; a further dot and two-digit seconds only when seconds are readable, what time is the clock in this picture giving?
1.02
